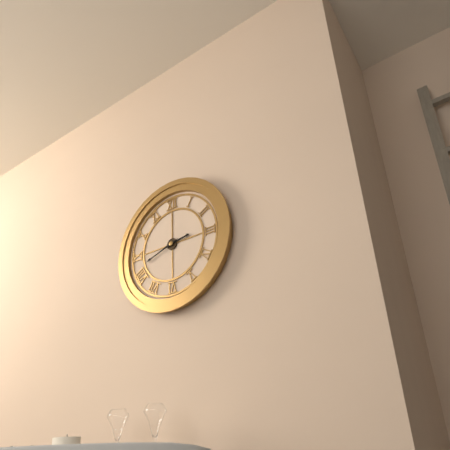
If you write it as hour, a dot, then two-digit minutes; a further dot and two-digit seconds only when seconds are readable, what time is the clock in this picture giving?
2.42
